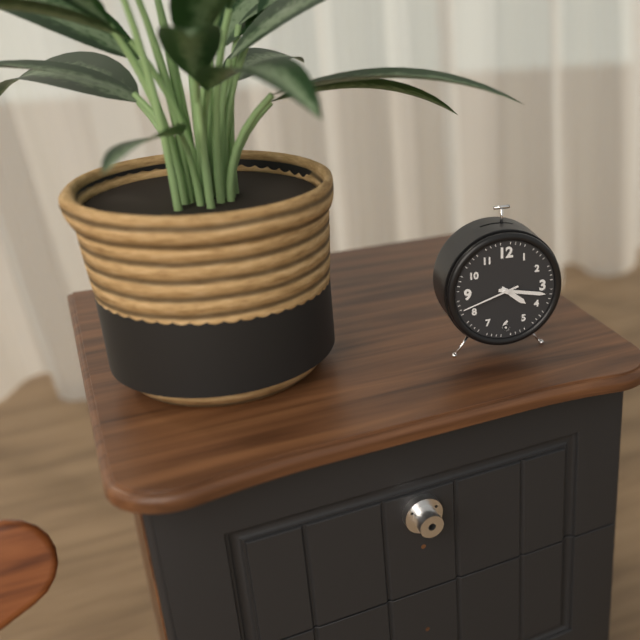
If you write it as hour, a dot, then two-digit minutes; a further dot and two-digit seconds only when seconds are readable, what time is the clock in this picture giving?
4.17.42
